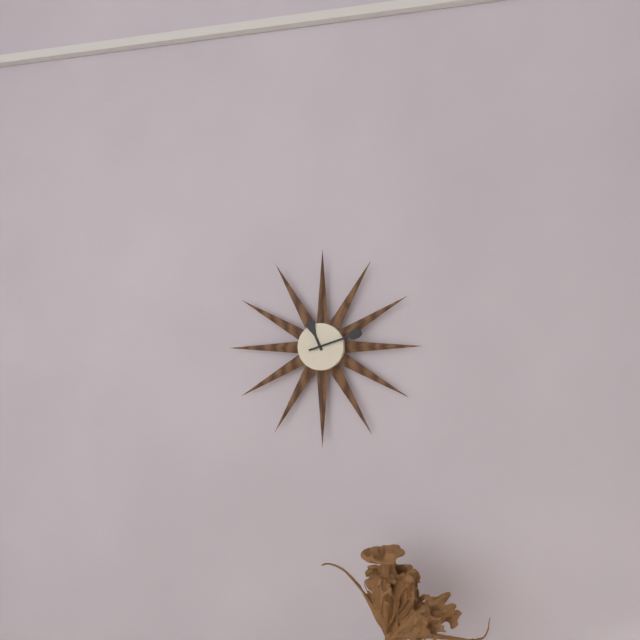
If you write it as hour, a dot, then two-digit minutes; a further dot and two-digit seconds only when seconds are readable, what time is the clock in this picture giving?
11.12
